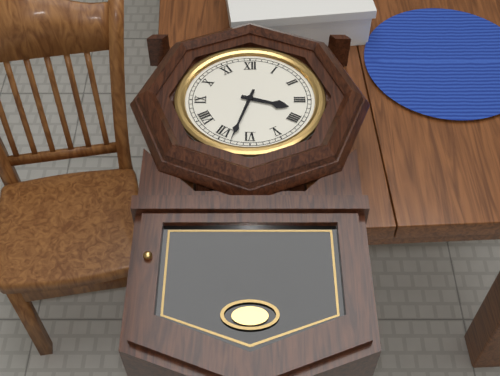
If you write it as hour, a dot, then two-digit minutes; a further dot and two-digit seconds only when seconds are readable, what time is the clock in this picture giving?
3.33
